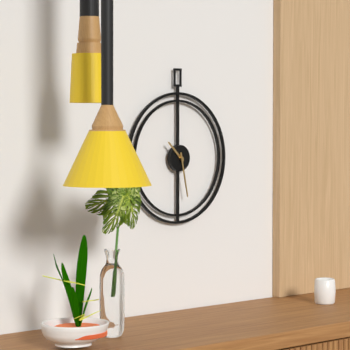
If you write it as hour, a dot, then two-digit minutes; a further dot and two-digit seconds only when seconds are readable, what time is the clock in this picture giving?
10.28
